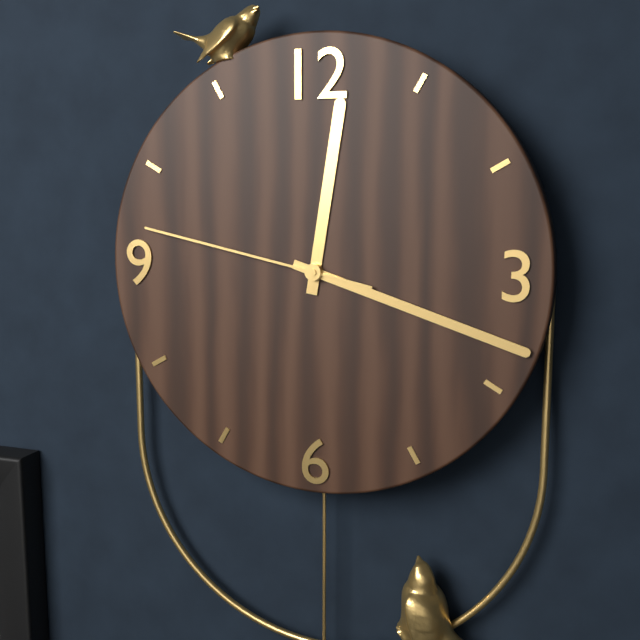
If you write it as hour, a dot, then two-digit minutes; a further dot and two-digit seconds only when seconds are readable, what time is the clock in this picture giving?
12.18.47
